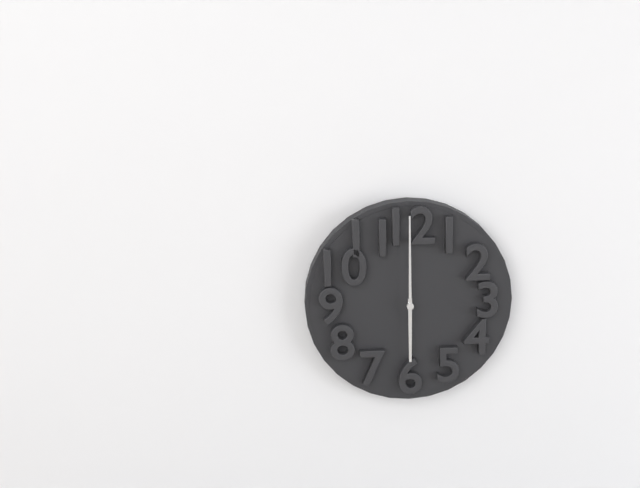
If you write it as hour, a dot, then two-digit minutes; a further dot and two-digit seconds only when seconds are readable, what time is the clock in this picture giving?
6.00
